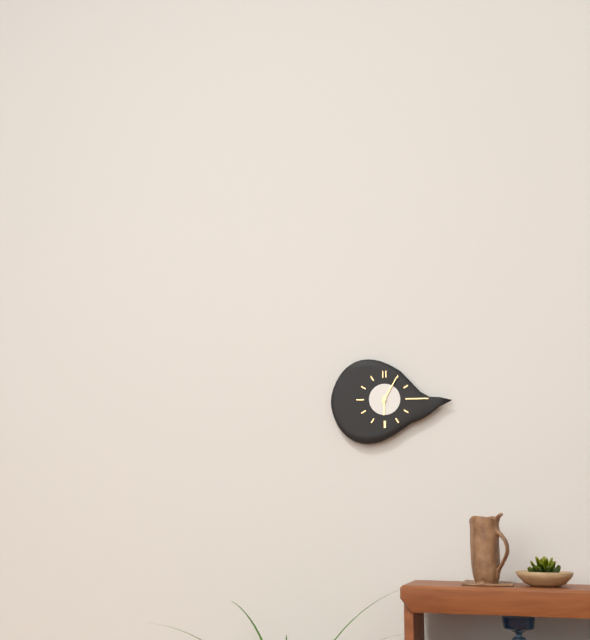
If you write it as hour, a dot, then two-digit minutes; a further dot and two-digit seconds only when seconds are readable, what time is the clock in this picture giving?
6.05
